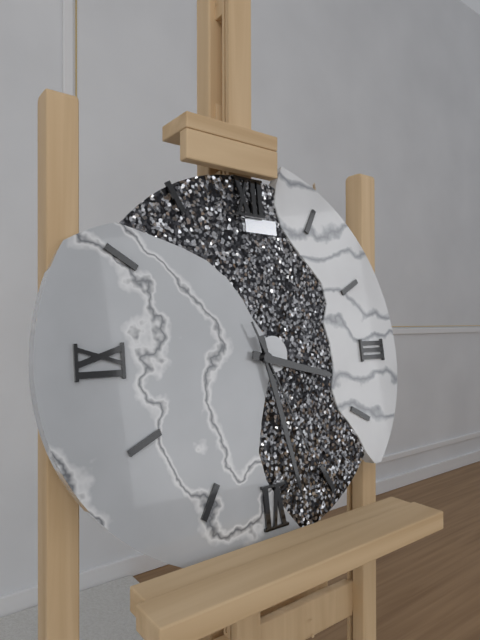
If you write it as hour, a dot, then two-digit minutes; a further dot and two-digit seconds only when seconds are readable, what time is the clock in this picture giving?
3.28.26
